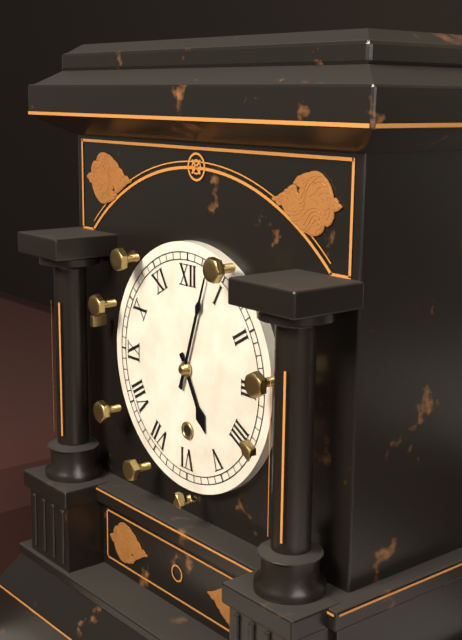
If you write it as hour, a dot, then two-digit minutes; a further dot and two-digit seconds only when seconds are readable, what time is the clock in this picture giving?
5.03
